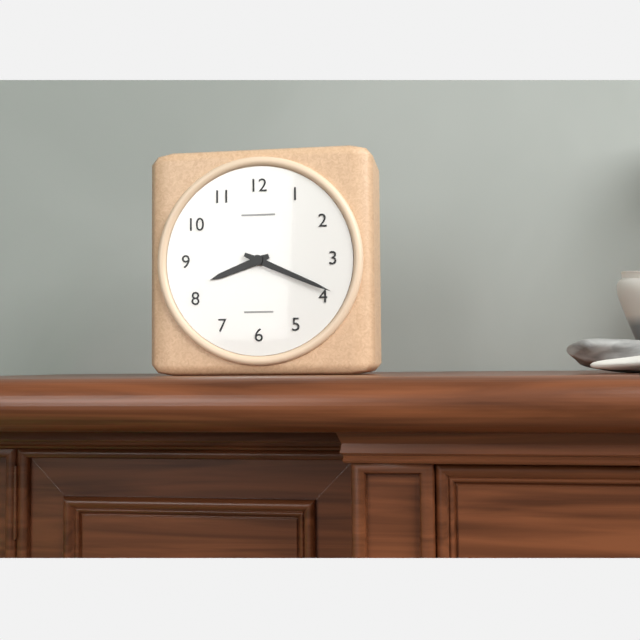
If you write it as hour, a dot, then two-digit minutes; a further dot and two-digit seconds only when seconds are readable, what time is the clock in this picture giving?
8.19
